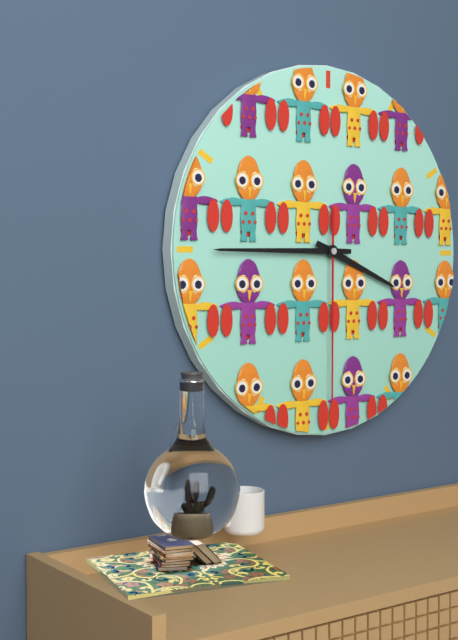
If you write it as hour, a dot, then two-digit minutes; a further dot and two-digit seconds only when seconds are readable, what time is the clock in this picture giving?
3.45.30
